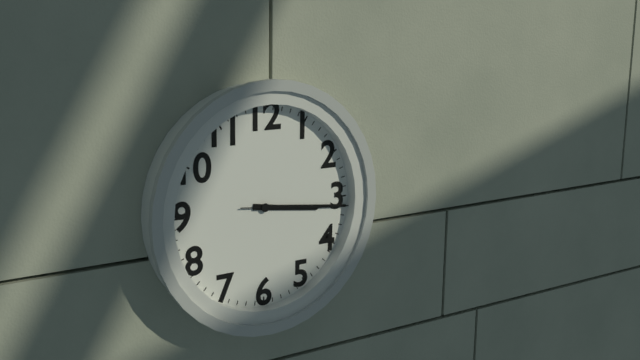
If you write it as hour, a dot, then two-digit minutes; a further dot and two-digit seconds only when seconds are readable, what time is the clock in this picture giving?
3.16.16
